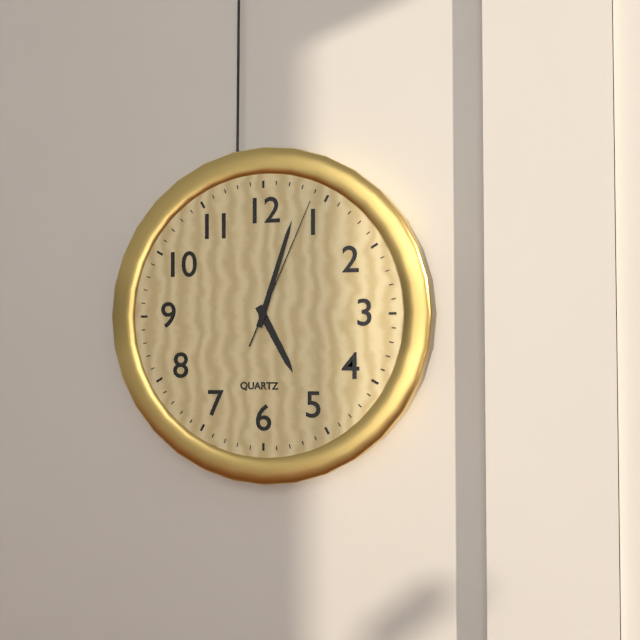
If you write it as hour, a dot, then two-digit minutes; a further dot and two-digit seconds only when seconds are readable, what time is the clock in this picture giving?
5.03.04
